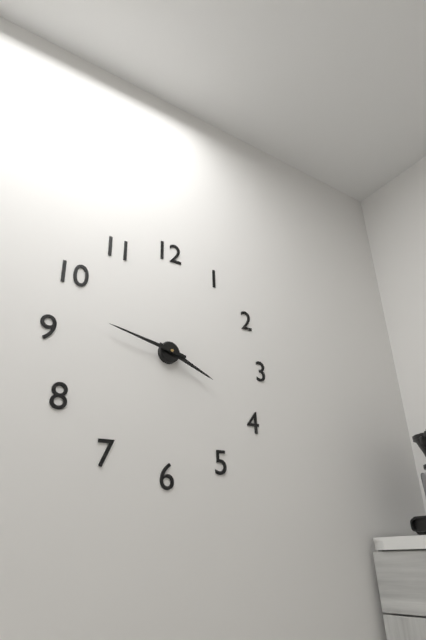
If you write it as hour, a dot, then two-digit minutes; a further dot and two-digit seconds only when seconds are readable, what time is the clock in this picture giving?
3.47
